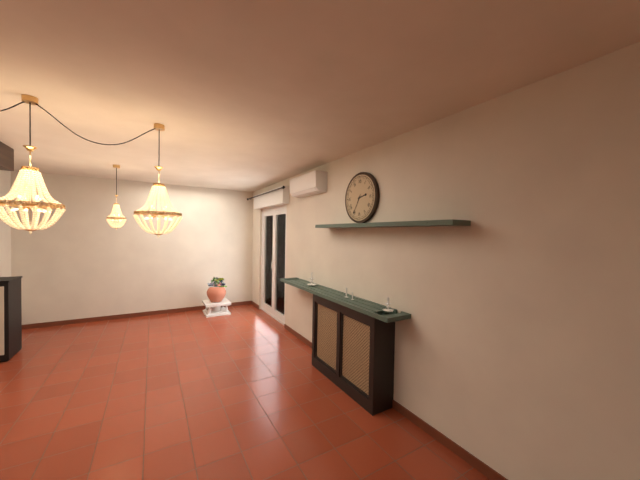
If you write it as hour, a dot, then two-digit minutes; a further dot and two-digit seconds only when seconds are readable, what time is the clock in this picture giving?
2.35
